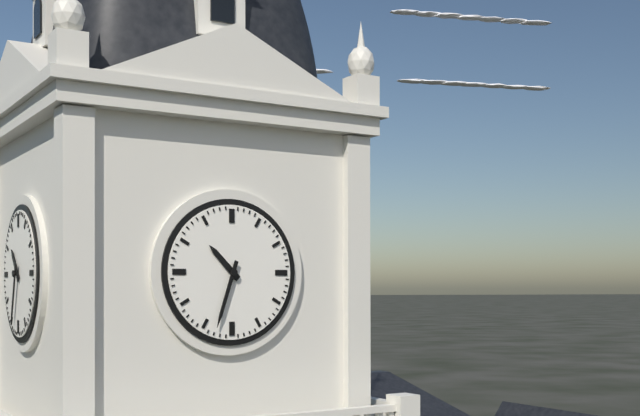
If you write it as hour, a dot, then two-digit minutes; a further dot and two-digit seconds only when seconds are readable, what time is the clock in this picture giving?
10.33
